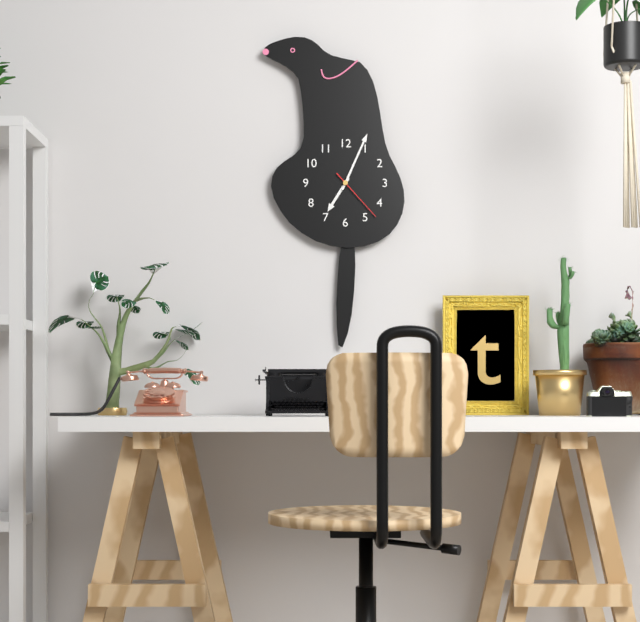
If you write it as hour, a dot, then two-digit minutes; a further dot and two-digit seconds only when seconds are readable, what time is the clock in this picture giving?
7.04.23
